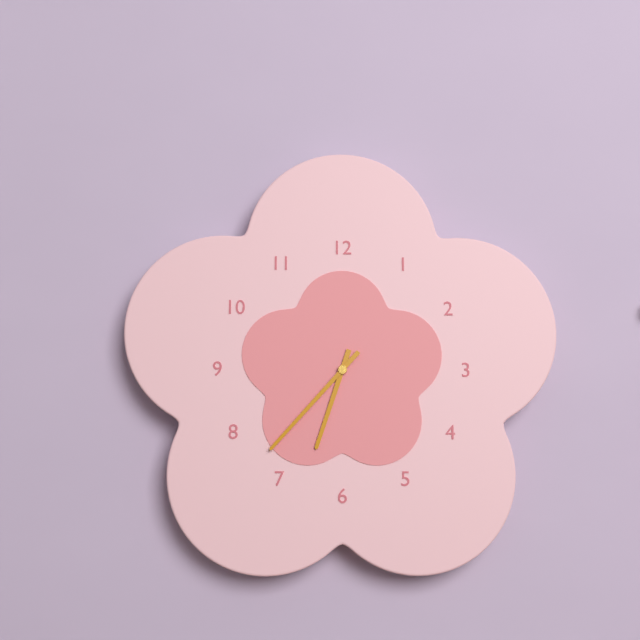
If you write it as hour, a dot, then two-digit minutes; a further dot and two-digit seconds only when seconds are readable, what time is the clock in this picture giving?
6.37
